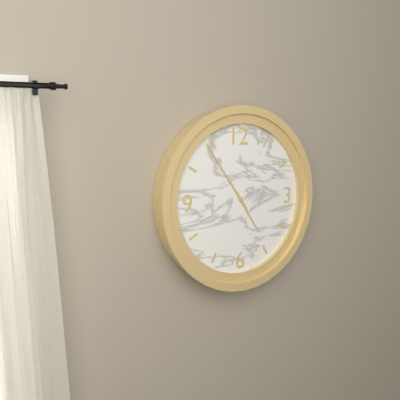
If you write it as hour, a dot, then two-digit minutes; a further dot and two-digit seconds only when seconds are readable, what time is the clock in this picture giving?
4.54
